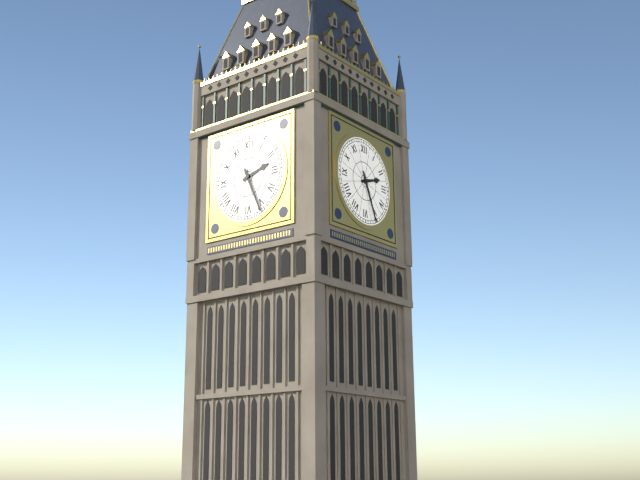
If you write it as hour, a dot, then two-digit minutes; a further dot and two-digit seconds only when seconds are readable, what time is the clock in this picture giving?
2.26
